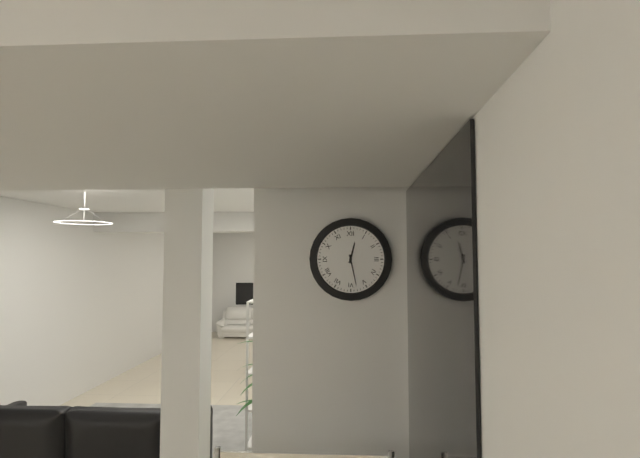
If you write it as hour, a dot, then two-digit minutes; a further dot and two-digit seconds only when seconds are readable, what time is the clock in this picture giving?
12.28
